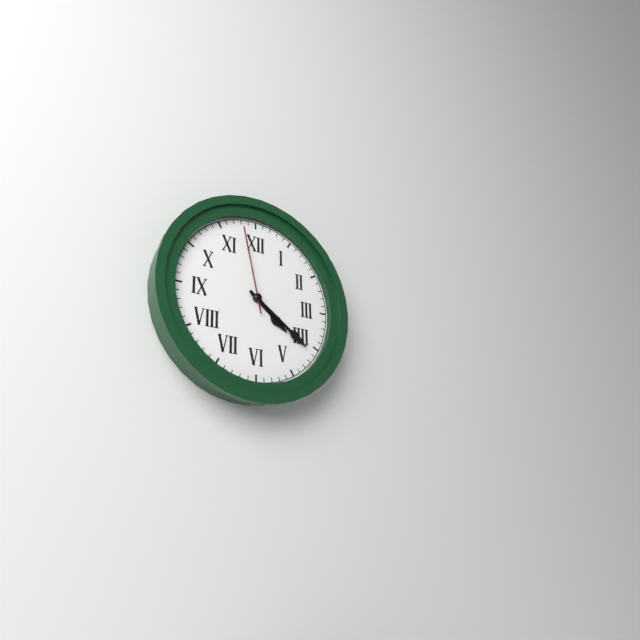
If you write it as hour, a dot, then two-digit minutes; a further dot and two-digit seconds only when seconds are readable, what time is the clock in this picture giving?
4.21.58
